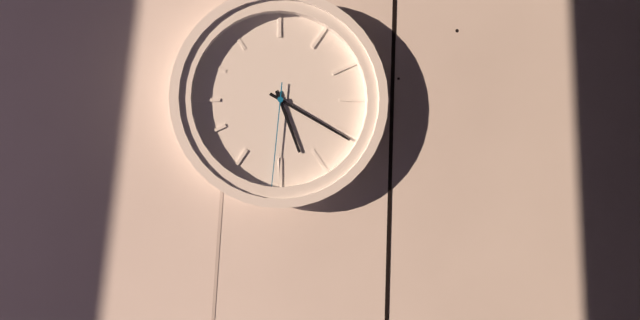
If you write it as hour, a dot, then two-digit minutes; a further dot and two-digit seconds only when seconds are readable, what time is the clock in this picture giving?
5.20.31
